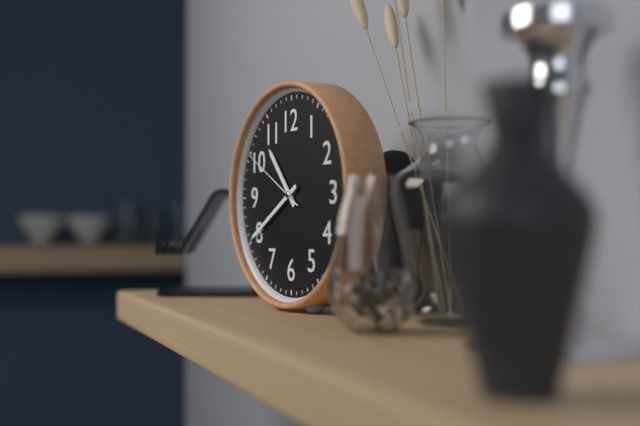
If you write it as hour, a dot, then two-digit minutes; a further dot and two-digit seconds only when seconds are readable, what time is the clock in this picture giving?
10.40.50
